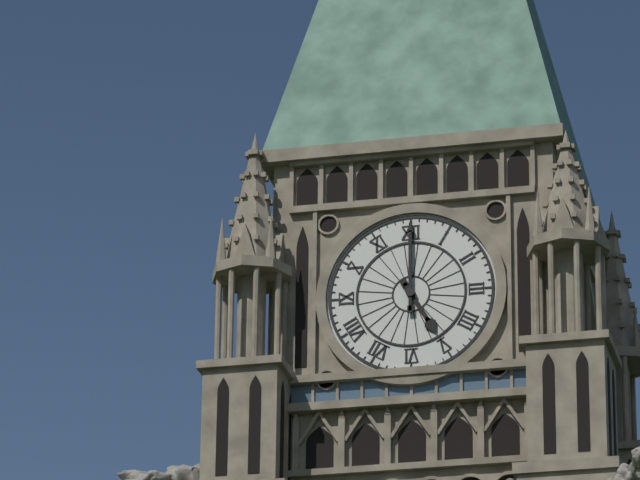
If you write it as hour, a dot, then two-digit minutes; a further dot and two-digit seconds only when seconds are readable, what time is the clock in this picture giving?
5.00
